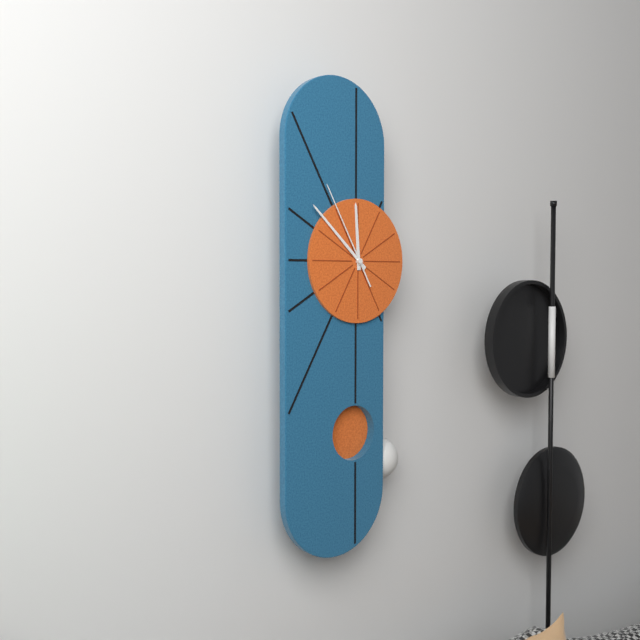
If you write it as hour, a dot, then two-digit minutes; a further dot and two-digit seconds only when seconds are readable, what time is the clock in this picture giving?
11.52.55
